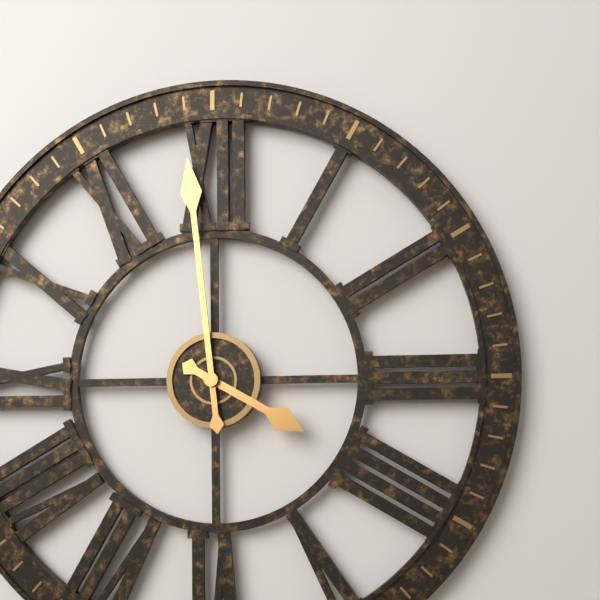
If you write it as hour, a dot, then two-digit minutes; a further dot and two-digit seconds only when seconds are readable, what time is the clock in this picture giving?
3.59
